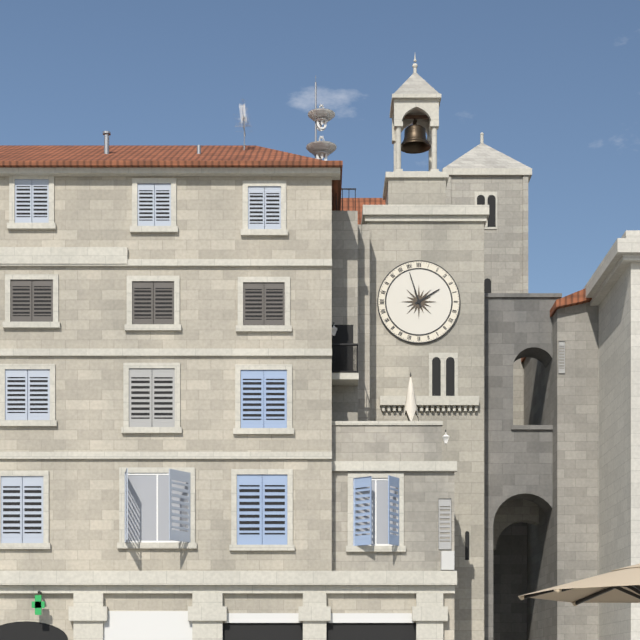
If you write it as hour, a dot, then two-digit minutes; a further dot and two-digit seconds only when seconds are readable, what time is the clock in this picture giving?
1.57
